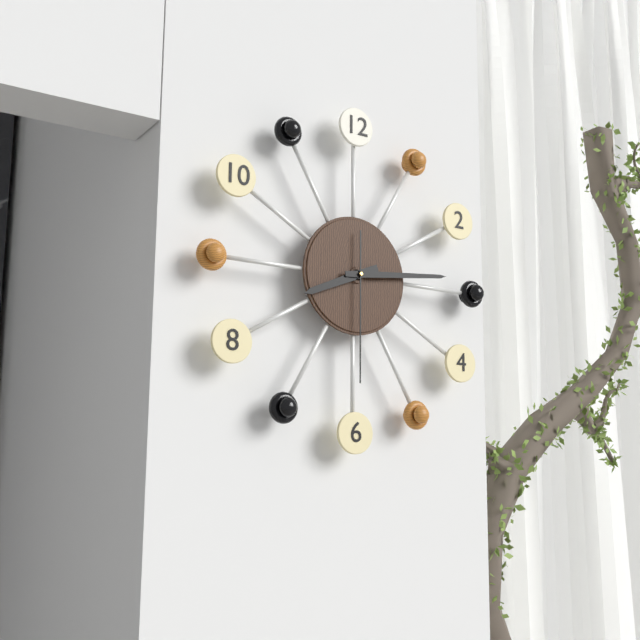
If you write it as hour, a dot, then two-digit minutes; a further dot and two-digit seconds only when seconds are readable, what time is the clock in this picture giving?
8.14.30
